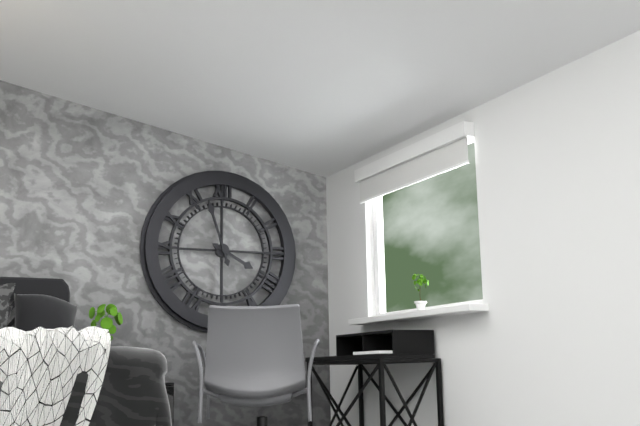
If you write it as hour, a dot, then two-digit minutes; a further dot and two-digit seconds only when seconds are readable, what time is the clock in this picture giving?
3.57
